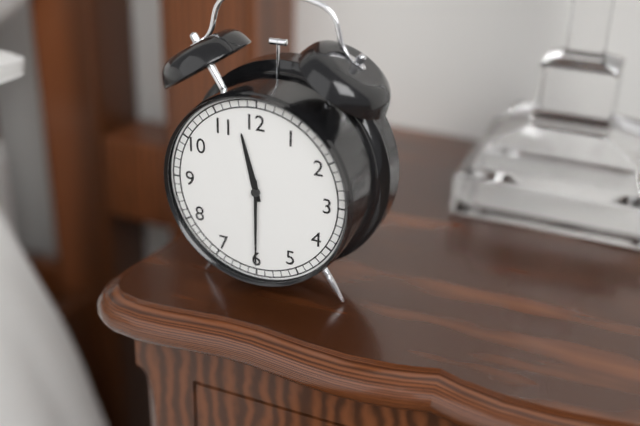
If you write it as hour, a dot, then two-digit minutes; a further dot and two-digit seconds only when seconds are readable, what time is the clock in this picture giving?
11.30
